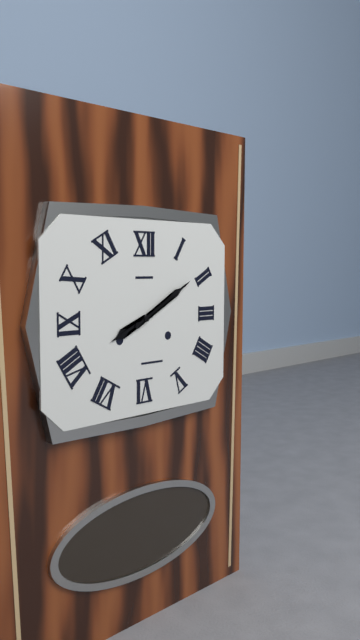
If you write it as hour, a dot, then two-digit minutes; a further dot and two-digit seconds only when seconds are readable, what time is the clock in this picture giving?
8.10
